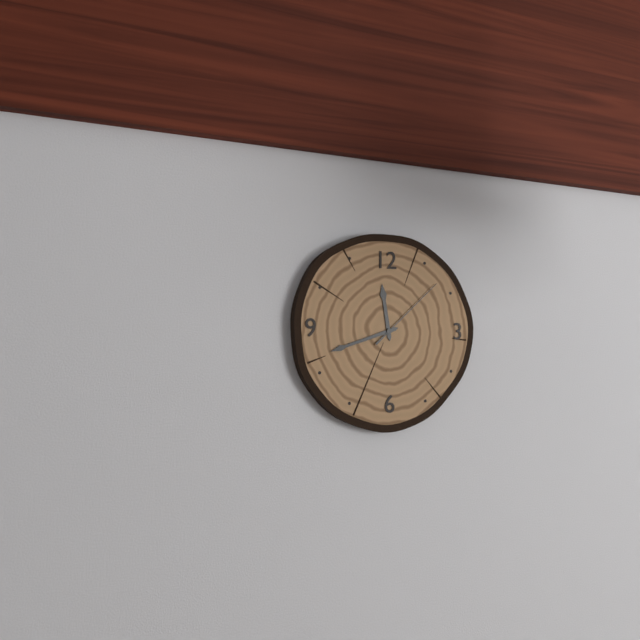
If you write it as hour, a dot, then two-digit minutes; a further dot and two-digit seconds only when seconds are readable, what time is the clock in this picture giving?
11.42.08
